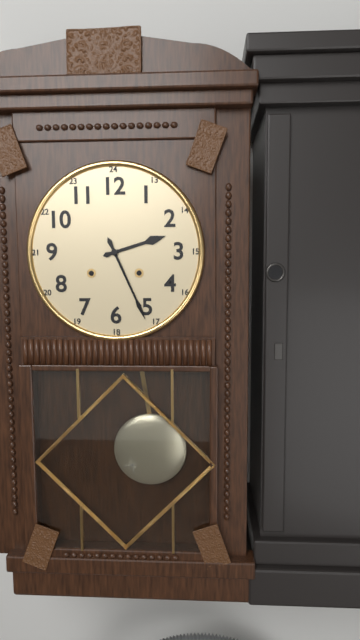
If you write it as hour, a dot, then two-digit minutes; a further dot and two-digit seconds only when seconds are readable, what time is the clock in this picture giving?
2.26
